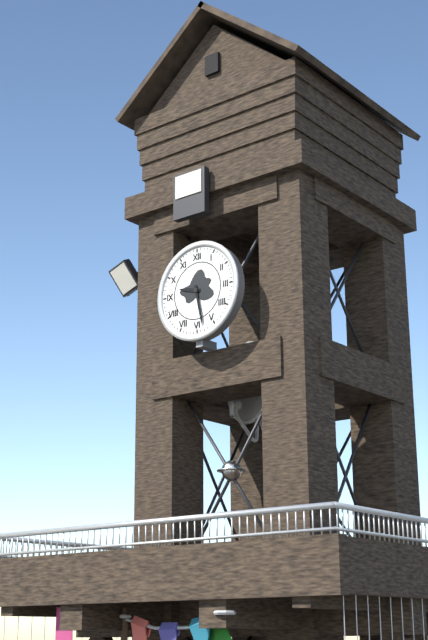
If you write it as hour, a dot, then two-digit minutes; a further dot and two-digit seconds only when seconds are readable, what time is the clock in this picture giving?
9.28
